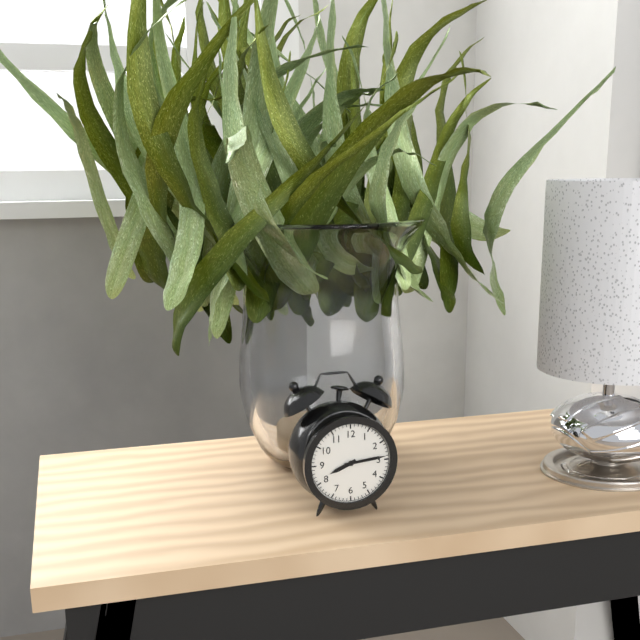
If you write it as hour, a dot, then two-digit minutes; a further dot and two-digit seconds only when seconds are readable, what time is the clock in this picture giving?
8.14
